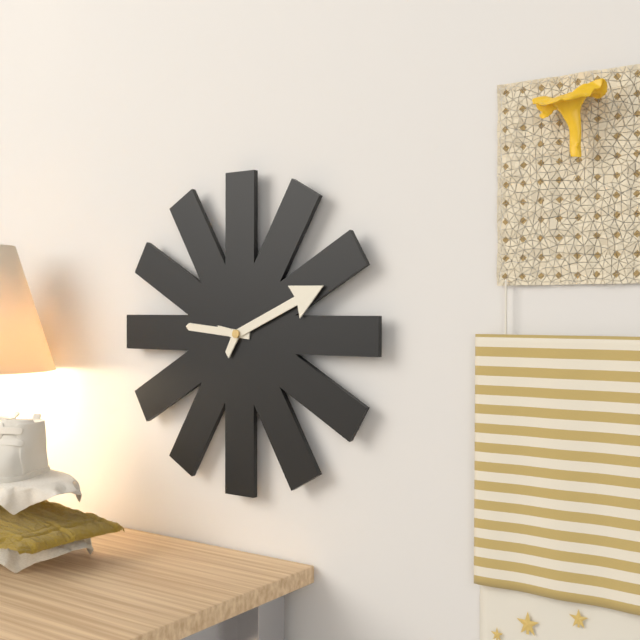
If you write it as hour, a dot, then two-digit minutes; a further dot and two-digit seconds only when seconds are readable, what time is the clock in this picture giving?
9.11
